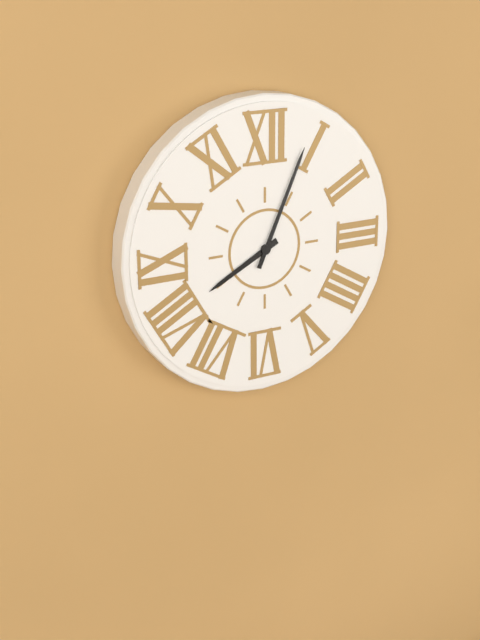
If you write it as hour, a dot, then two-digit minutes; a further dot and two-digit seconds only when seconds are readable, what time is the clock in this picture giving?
8.04
